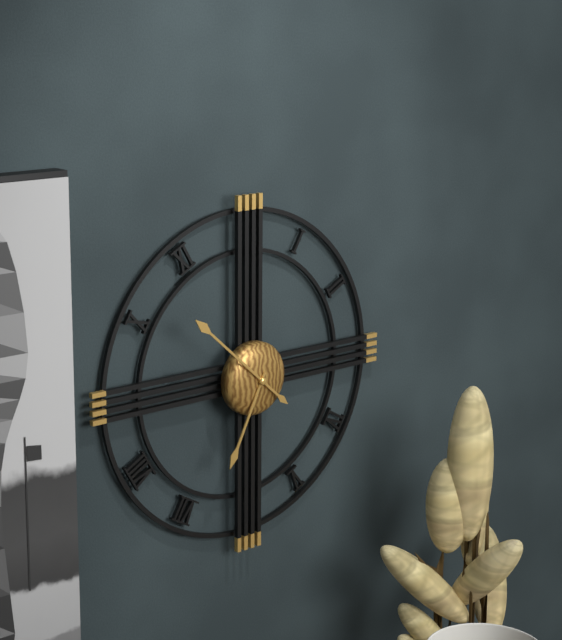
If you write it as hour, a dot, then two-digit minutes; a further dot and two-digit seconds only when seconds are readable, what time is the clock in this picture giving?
6.52
